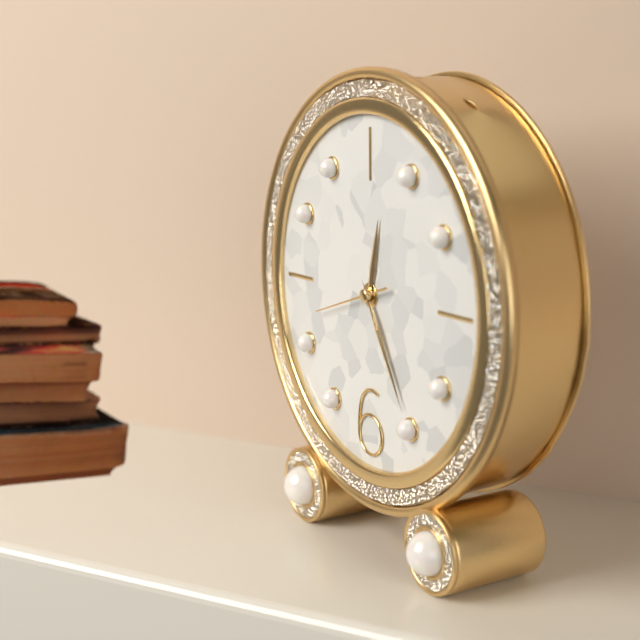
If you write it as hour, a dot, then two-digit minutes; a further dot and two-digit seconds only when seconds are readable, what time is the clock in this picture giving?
12.25.42
